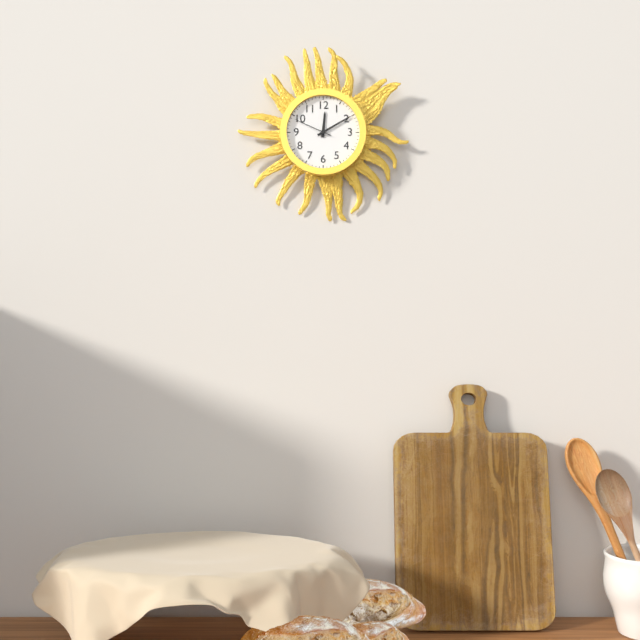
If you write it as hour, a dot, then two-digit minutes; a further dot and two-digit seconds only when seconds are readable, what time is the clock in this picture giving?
12.10
